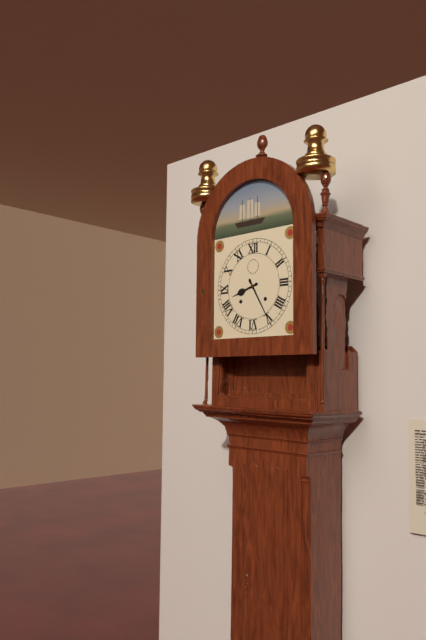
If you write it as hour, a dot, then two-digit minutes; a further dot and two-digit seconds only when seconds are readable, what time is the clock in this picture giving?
8.25
